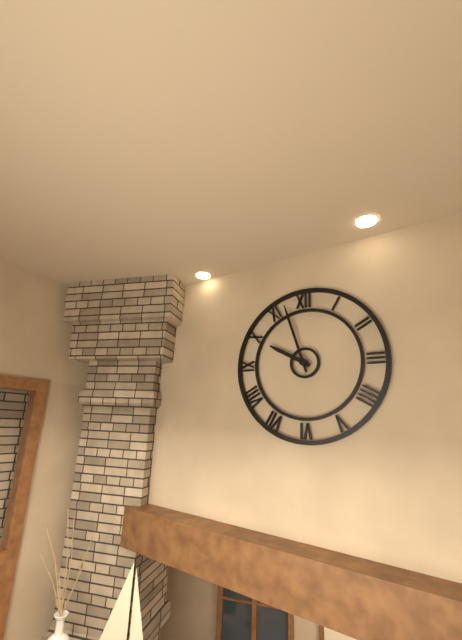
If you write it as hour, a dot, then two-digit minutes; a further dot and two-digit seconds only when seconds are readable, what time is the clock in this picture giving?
9.57
